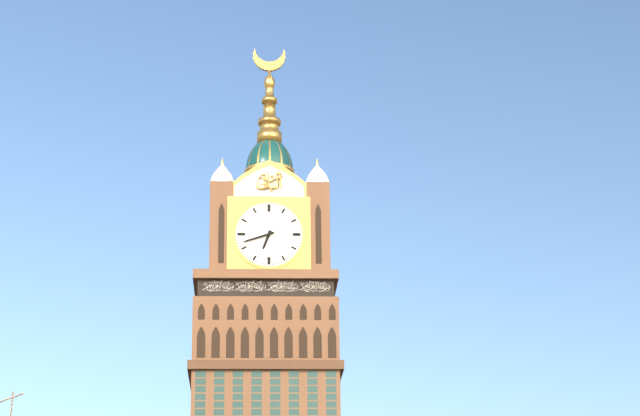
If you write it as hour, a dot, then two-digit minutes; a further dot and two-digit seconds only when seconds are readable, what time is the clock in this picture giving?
6.42
